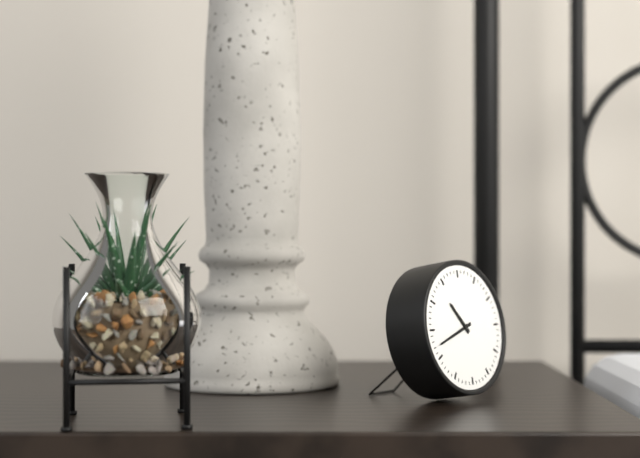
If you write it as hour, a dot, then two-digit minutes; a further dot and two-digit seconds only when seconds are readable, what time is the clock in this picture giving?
10.42
